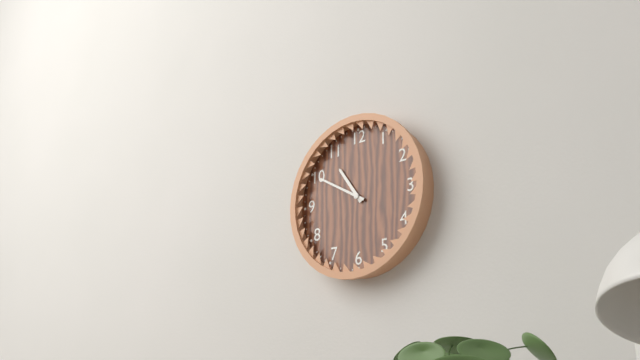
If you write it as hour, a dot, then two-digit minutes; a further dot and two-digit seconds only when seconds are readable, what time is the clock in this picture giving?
10.50
